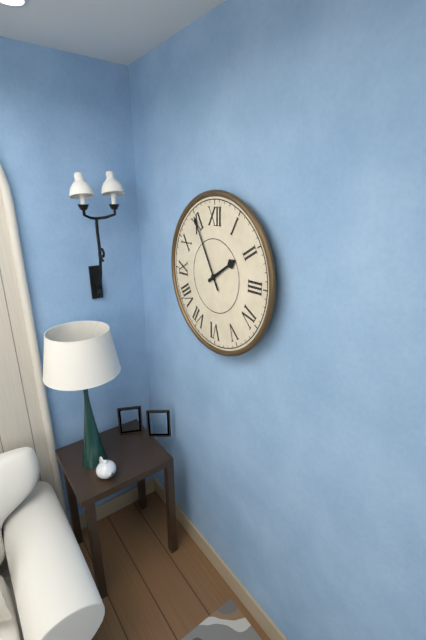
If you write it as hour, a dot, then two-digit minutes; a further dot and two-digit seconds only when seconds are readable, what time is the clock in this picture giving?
1.55
